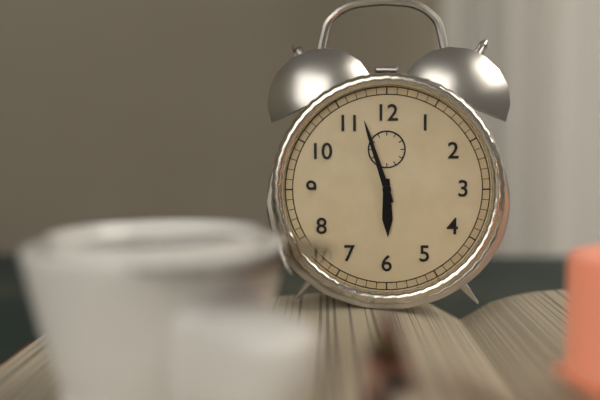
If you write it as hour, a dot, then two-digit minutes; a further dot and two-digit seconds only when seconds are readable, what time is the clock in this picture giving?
5.57
